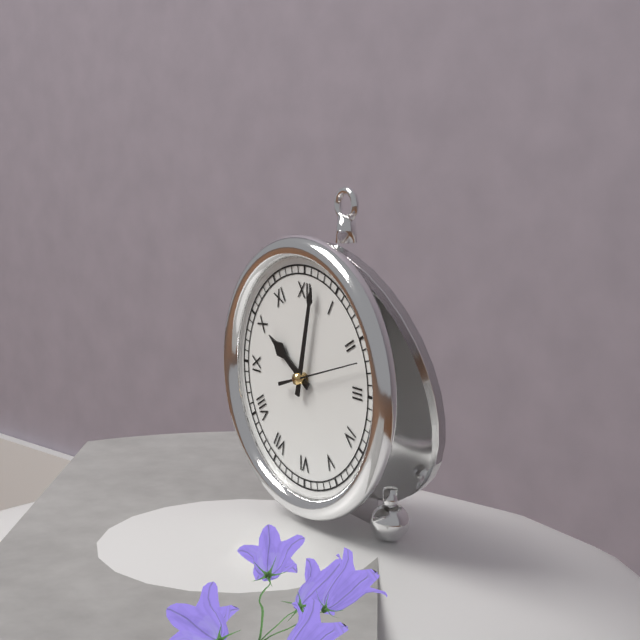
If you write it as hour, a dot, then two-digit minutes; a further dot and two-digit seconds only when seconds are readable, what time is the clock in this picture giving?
10.02.12
